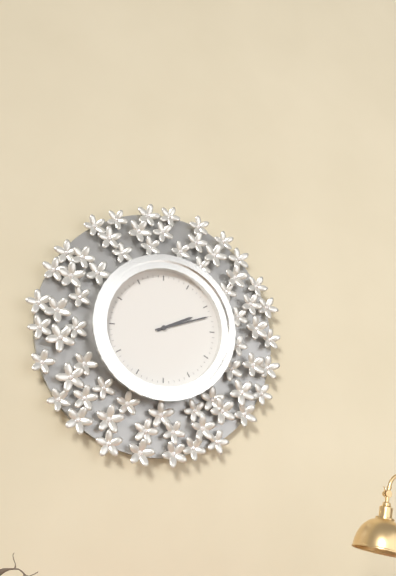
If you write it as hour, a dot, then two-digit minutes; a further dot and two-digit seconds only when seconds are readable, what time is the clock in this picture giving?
2.12
